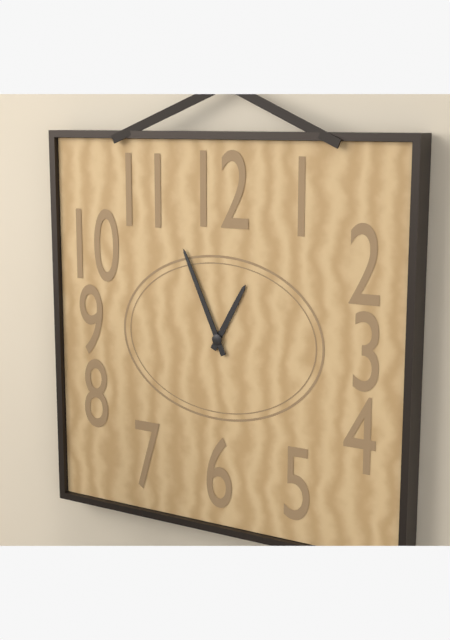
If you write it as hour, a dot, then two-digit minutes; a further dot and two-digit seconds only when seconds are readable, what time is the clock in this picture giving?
12.56
